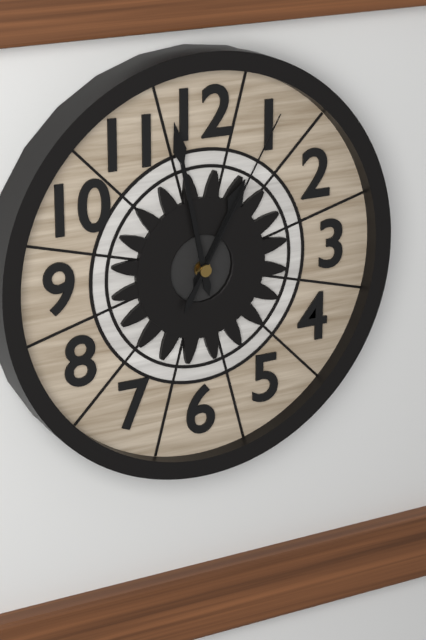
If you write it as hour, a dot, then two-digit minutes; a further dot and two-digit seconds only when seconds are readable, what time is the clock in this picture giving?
12.58.05
